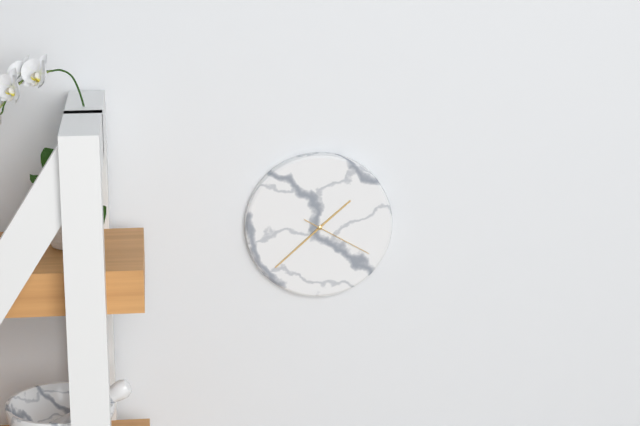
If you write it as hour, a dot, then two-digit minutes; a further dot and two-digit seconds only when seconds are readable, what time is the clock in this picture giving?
1.38.20
